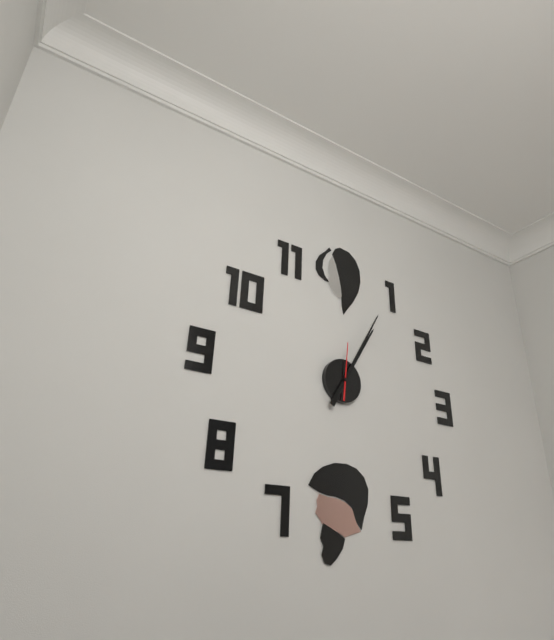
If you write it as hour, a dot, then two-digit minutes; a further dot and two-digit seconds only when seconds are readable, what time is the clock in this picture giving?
1.05
